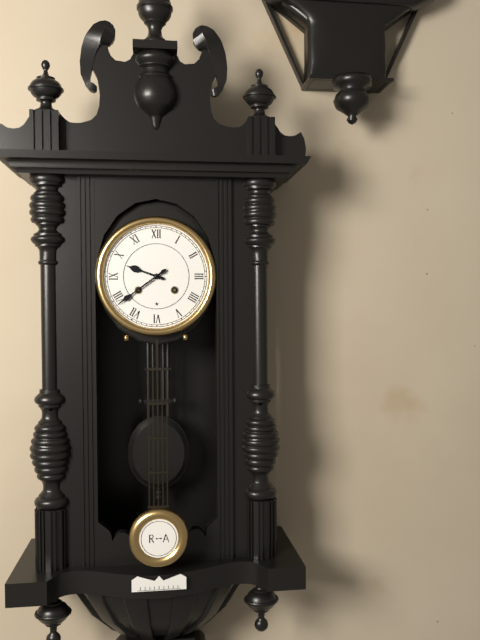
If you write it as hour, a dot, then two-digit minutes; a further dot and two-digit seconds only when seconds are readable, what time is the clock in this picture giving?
9.39
